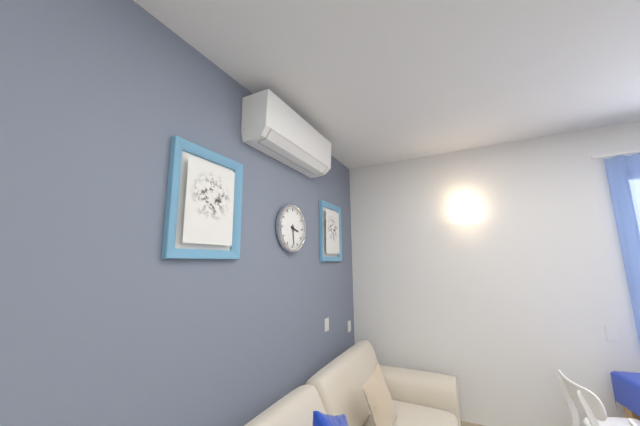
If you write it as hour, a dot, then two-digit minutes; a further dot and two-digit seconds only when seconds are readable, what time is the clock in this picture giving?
3.29
